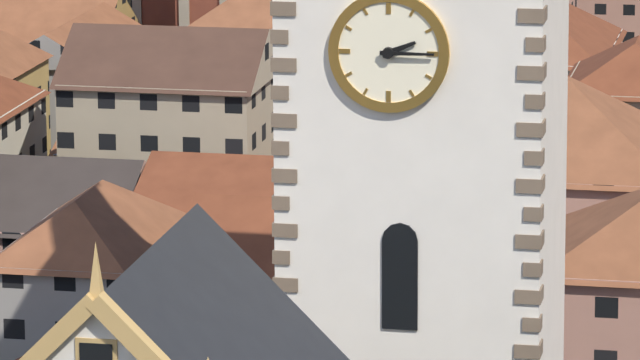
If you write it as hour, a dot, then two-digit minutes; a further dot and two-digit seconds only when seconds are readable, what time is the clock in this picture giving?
2.15
